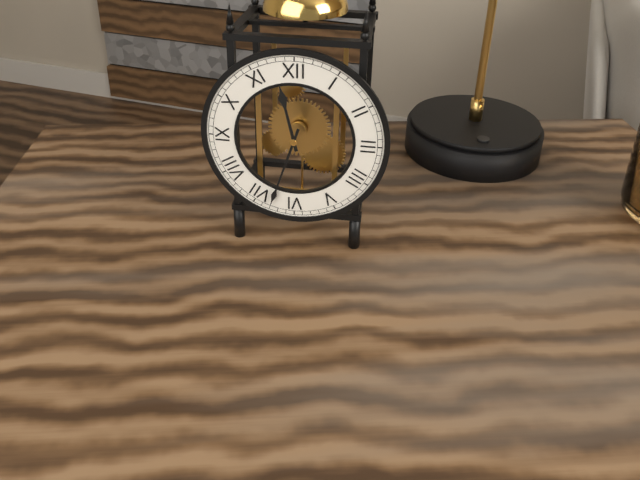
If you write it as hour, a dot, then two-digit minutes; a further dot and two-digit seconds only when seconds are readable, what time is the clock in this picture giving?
11.33
